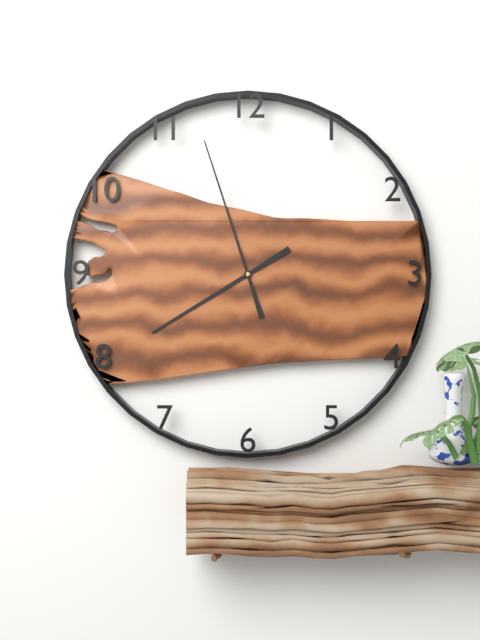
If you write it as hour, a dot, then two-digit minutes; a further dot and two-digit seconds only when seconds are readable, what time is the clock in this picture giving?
7.57
